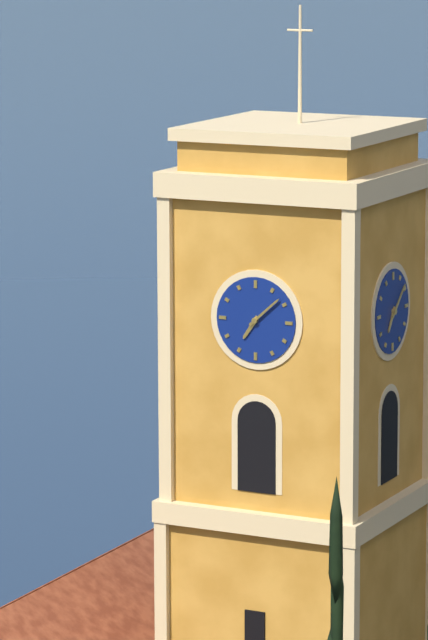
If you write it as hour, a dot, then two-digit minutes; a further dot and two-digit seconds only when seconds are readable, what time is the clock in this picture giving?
7.08
